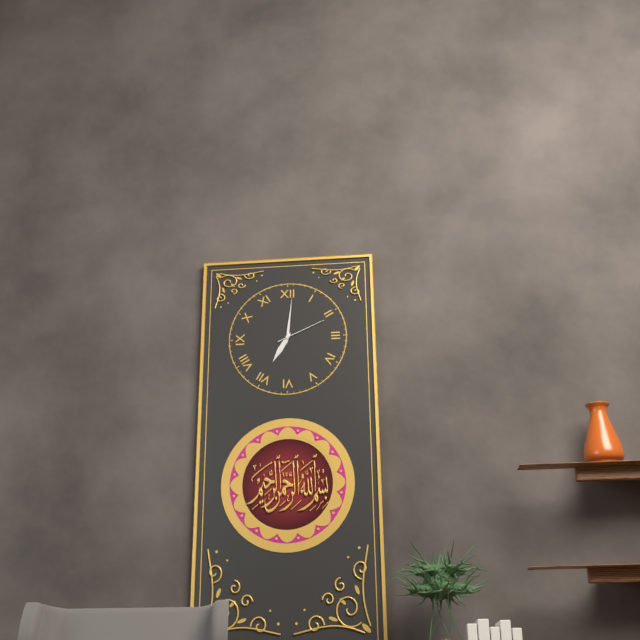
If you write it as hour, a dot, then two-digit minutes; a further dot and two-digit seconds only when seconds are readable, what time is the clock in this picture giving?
7.01.11
